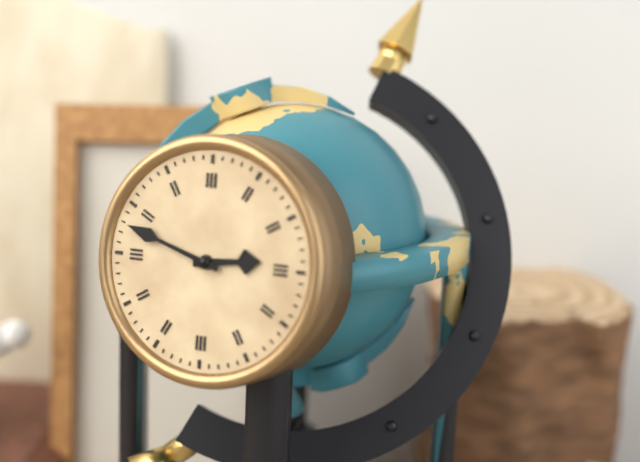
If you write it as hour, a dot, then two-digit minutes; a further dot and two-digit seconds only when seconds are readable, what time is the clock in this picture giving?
2.48
